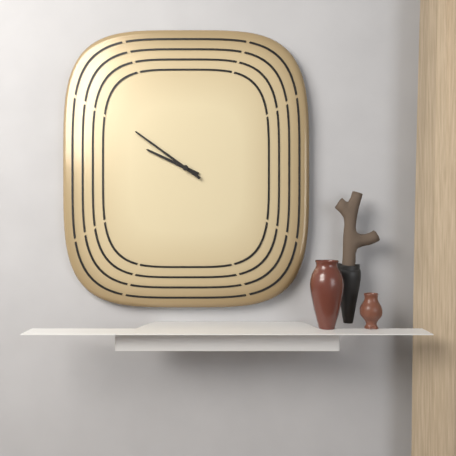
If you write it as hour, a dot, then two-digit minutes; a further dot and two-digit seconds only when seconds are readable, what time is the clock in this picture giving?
9.51
